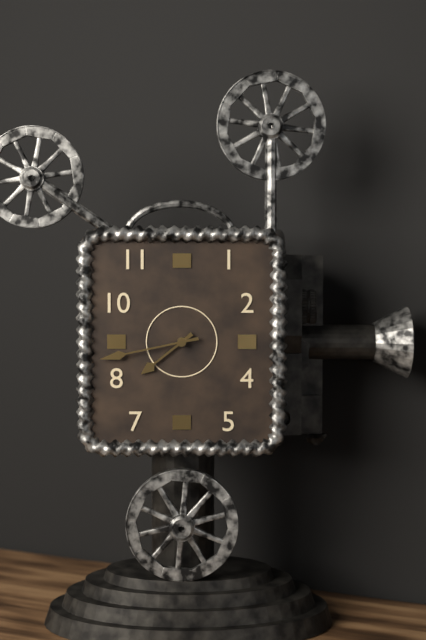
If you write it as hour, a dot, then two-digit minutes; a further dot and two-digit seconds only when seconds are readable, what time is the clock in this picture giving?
7.43
